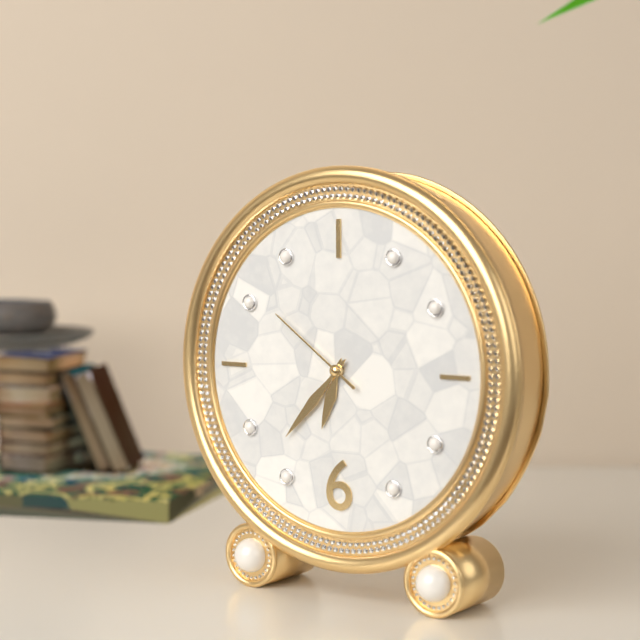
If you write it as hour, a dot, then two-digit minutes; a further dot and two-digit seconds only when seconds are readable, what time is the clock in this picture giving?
6.37.51
